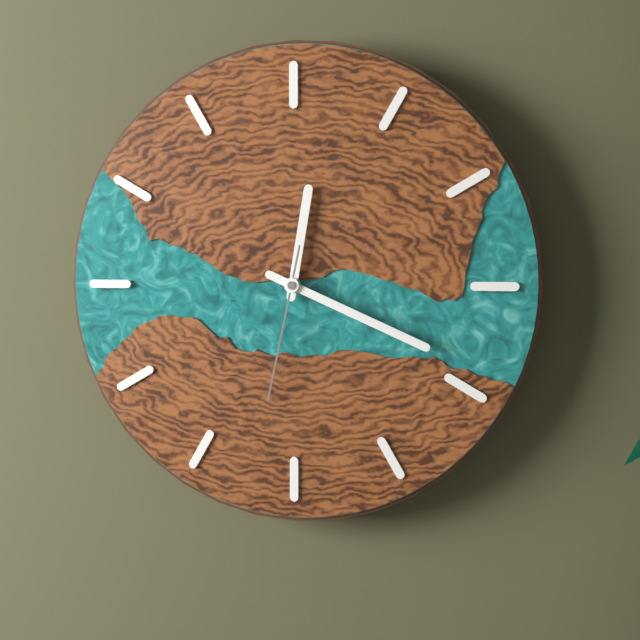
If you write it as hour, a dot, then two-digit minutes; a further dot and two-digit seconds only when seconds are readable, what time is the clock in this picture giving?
12.19.32
